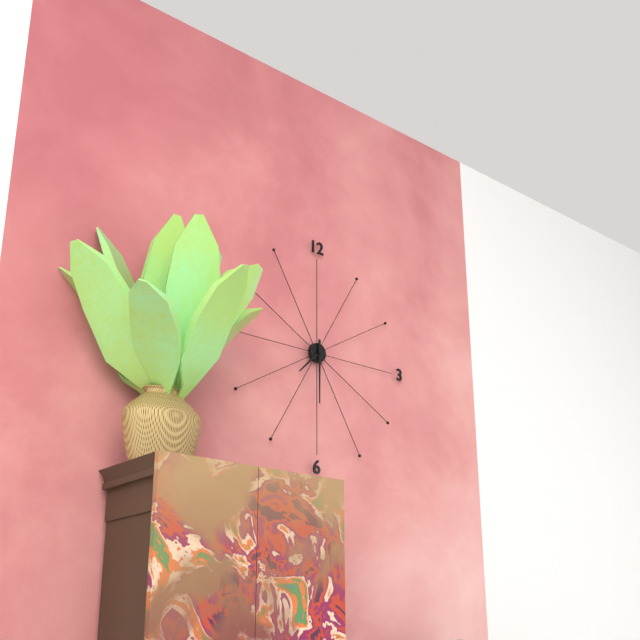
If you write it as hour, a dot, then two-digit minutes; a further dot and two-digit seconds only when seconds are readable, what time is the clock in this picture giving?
7.30
